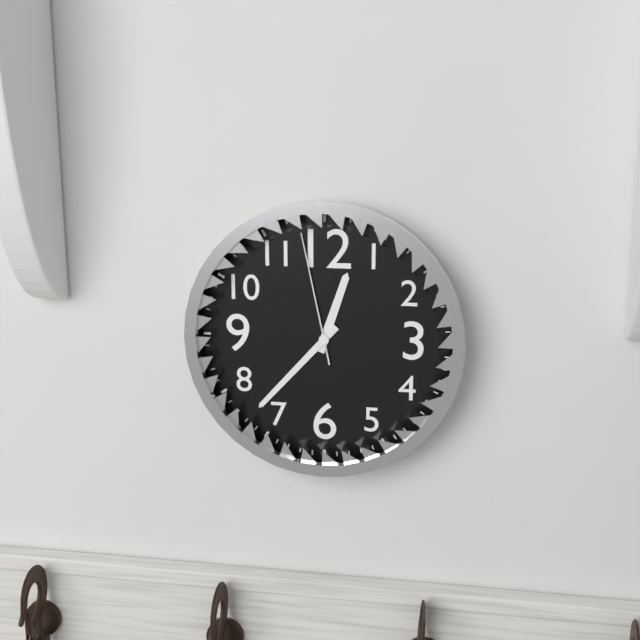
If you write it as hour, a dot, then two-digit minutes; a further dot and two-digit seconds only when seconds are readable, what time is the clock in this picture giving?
12.37.58
